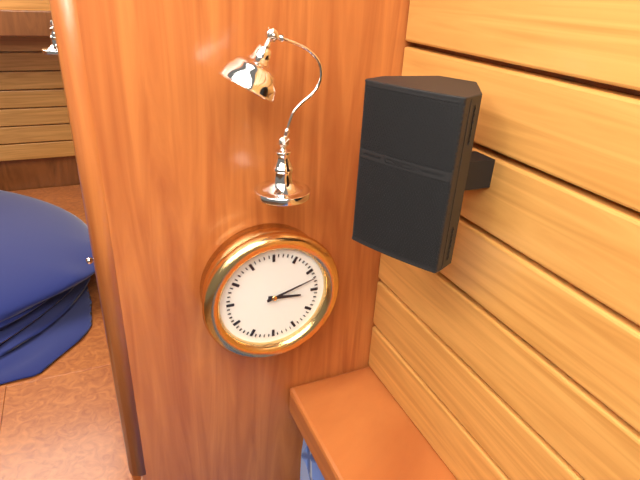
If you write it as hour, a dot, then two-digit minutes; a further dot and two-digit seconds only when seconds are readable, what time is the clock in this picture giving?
3.12
